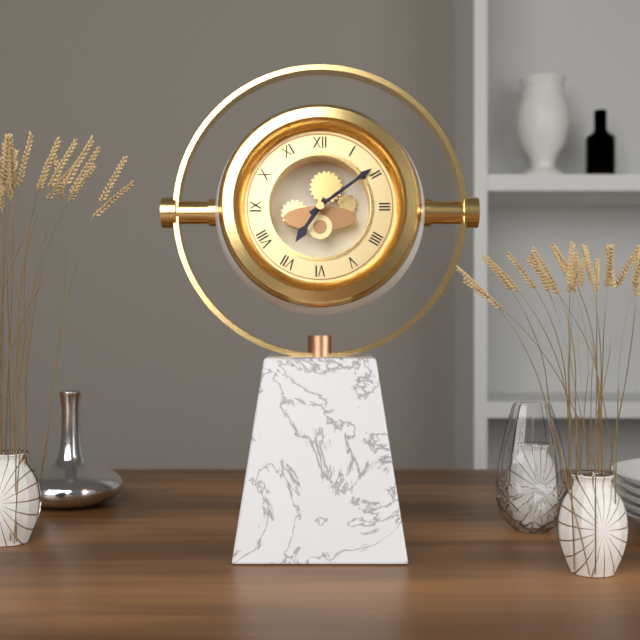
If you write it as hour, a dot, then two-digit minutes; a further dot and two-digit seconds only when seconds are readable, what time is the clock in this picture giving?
7.09
